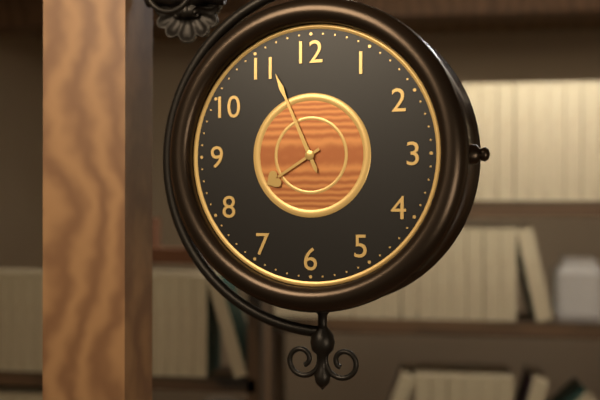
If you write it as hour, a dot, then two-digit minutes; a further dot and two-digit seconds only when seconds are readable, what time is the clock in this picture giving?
7.56
